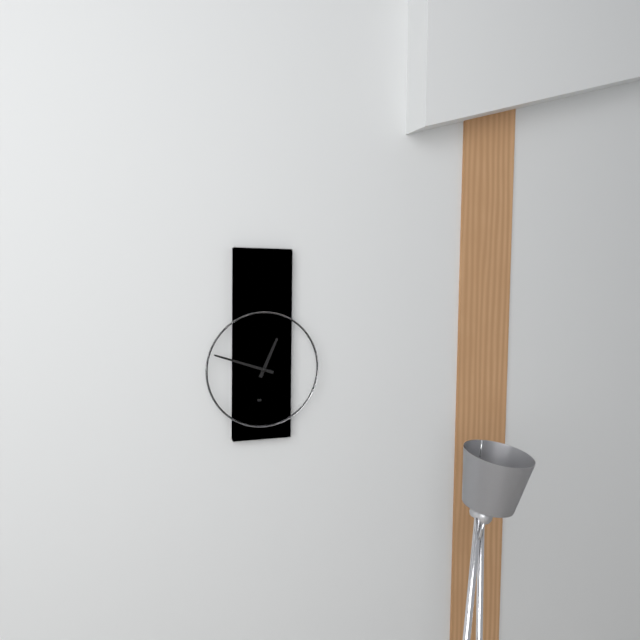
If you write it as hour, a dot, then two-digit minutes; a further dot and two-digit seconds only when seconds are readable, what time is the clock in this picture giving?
12.48
